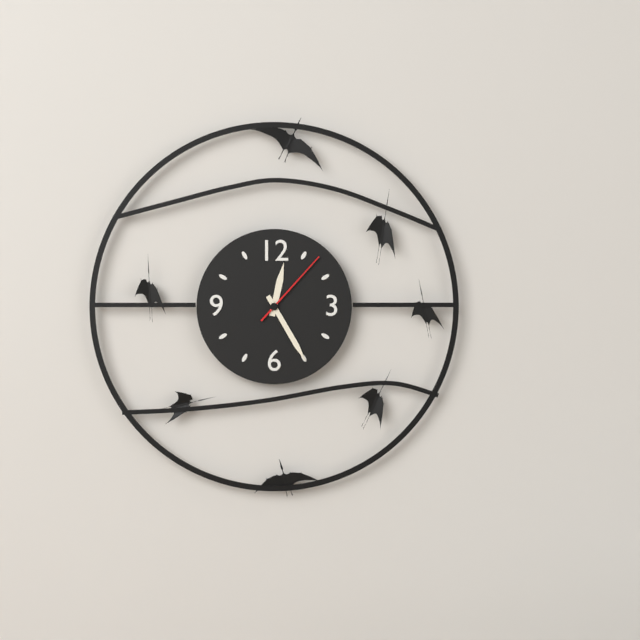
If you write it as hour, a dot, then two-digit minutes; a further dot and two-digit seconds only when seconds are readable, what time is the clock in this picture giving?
12.25.07
